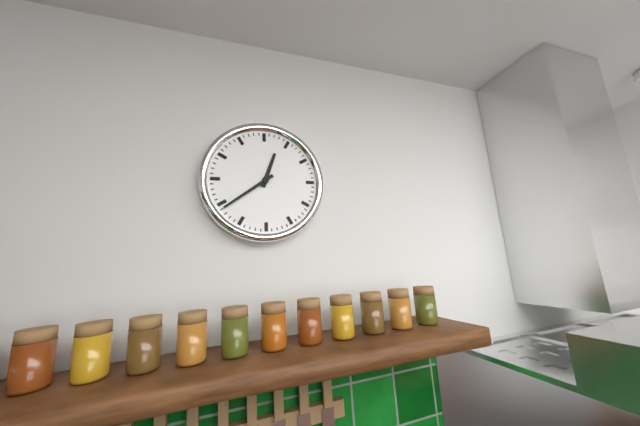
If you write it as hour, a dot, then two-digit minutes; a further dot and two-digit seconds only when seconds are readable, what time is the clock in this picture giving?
12.39
